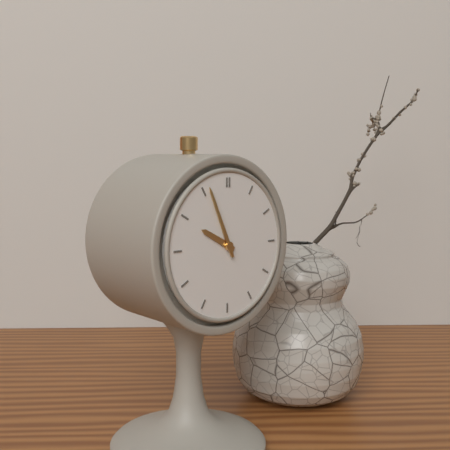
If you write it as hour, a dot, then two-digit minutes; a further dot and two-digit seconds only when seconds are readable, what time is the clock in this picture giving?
9.56
